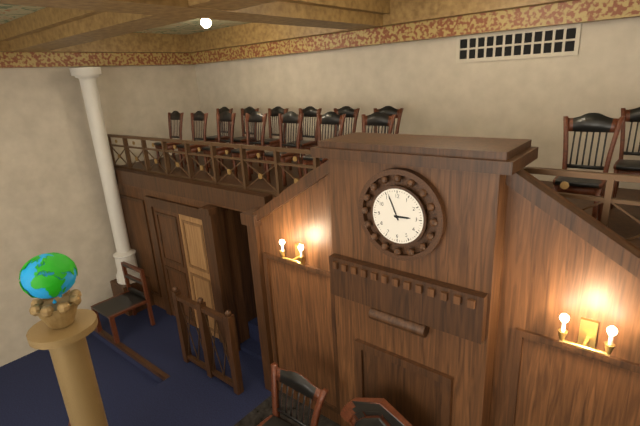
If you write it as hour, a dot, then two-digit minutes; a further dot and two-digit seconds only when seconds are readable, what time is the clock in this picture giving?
2.56
